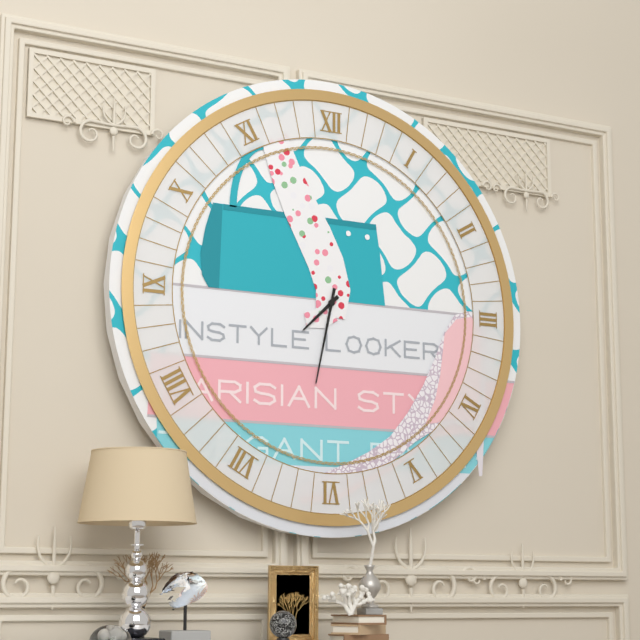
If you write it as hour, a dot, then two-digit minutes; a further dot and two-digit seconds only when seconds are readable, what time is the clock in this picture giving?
7.32
